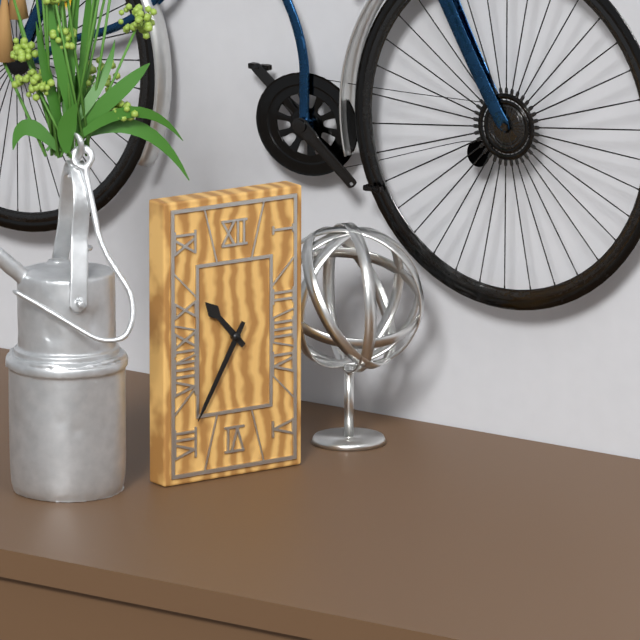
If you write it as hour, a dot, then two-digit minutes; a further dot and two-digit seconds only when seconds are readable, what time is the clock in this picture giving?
10.35
